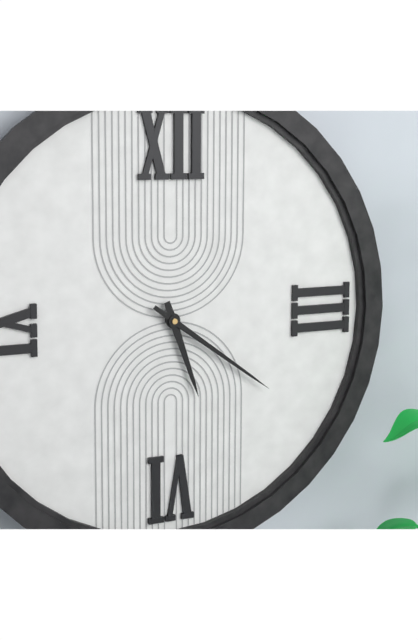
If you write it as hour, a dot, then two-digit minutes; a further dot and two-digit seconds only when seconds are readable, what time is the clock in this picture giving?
5.21
